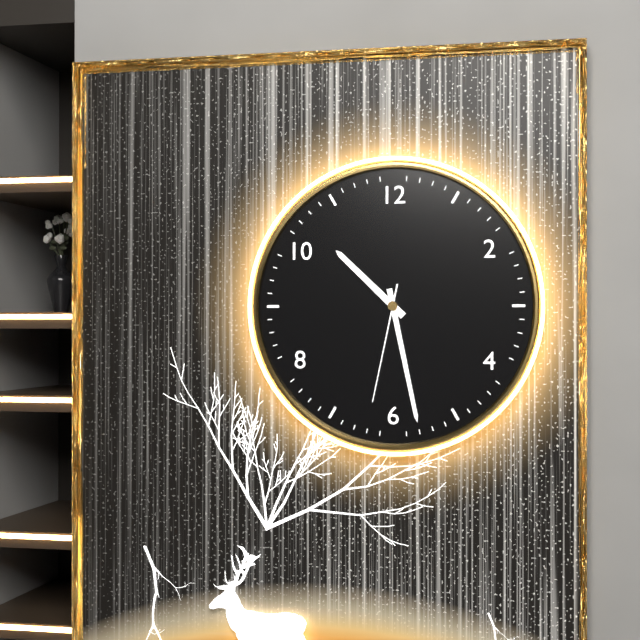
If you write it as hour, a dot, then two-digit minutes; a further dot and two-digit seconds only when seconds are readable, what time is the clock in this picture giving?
10.28.32
